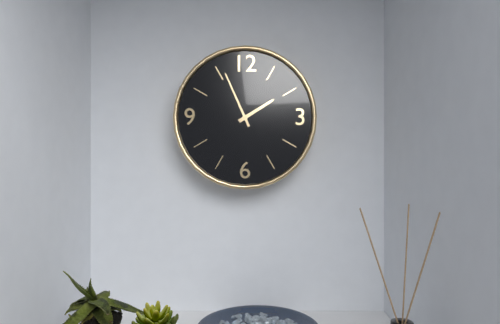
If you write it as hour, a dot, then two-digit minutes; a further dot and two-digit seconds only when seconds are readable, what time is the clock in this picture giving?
1.56
